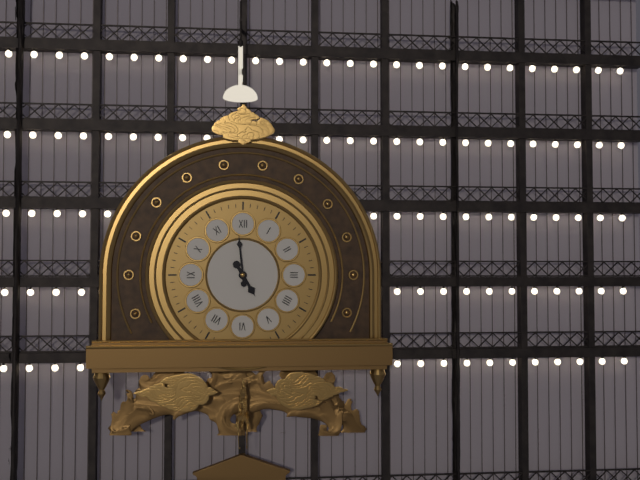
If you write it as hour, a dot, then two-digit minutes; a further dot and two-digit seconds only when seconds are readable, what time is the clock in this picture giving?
4.59
